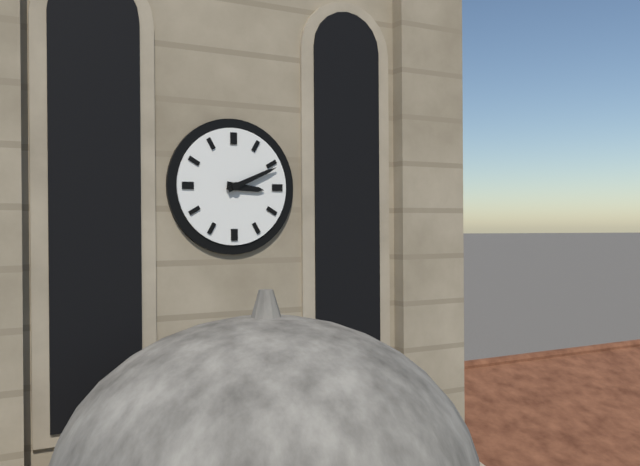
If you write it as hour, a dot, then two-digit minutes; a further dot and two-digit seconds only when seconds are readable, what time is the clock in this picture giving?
3.11
